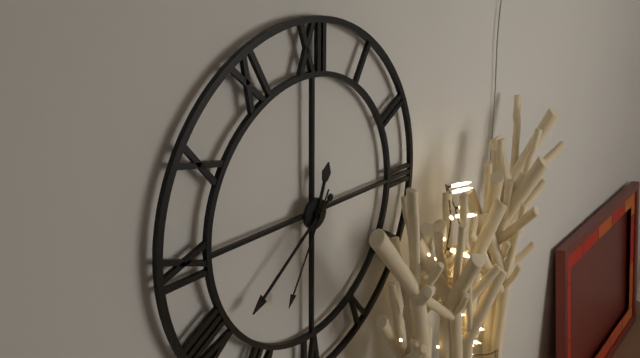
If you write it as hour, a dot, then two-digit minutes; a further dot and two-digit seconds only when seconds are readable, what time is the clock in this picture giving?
12.39.35
